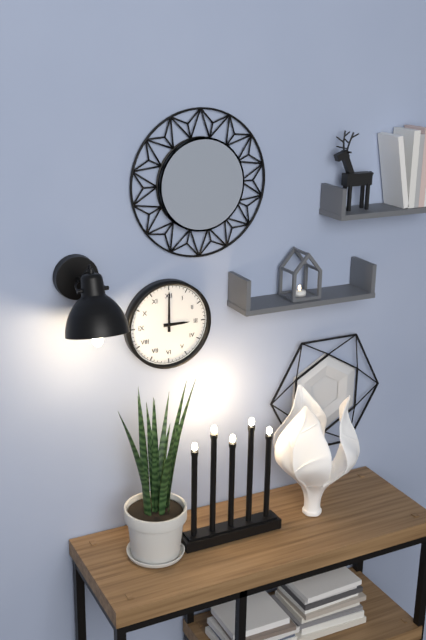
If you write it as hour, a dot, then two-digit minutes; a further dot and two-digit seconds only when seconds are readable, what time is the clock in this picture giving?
3.00
